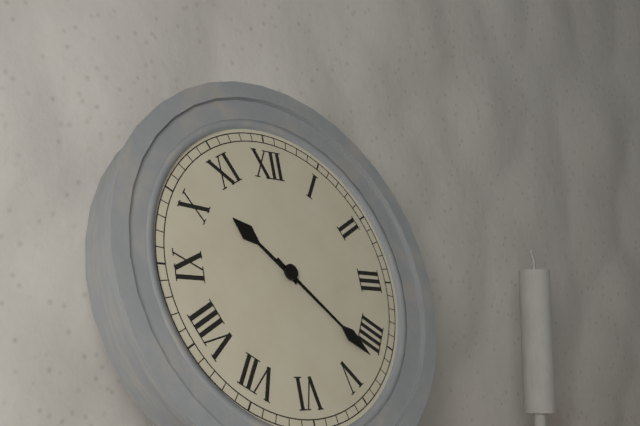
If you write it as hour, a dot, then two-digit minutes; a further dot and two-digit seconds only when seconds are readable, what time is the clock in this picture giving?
10.22
